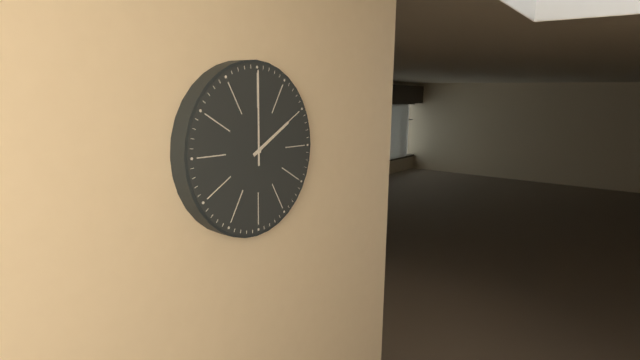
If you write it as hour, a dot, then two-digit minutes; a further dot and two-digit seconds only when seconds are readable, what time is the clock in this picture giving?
2.00
